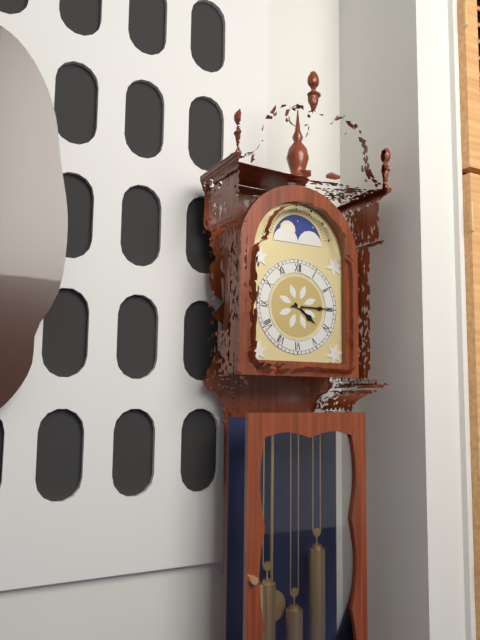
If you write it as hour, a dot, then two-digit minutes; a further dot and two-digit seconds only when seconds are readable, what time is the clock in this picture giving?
4.15
